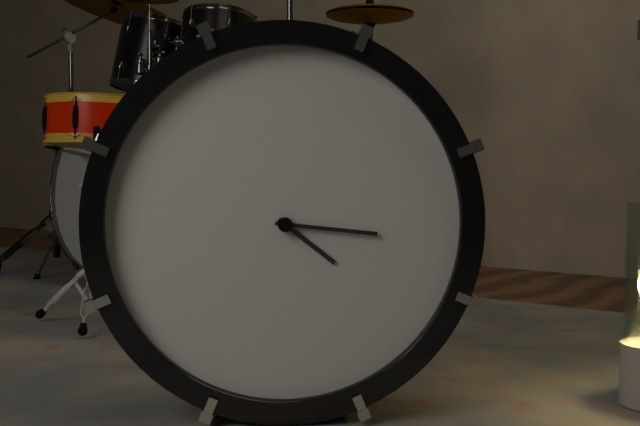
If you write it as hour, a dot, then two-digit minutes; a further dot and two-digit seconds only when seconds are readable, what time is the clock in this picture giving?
4.16
